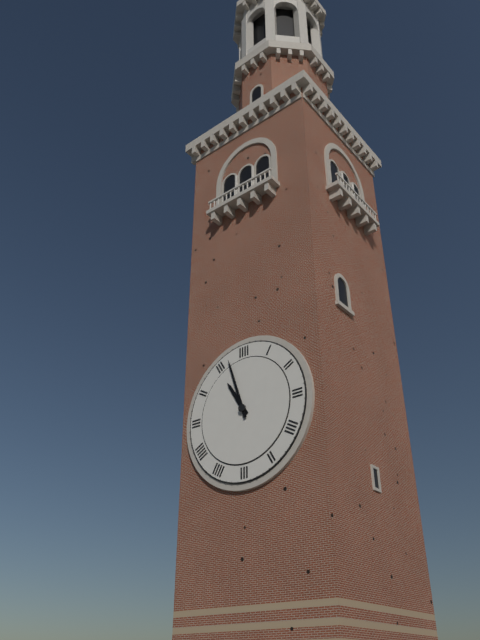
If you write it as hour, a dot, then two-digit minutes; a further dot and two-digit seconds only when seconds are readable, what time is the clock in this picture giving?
10.57
